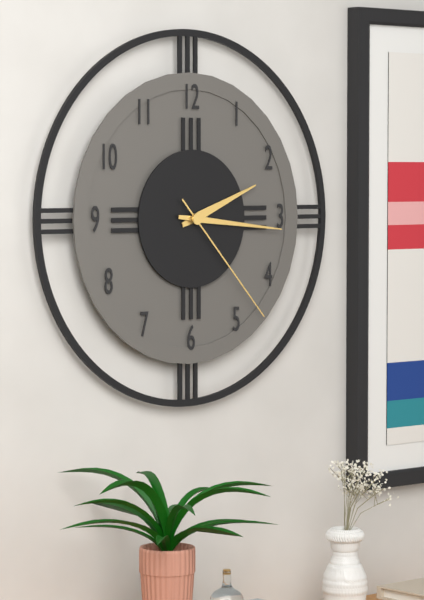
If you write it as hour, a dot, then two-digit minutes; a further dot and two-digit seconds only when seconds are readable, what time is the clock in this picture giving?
2.16.23
